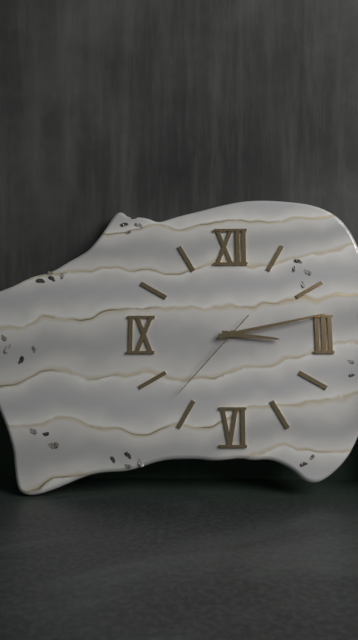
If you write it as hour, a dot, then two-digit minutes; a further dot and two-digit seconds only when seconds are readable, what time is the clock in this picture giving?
3.13.37
